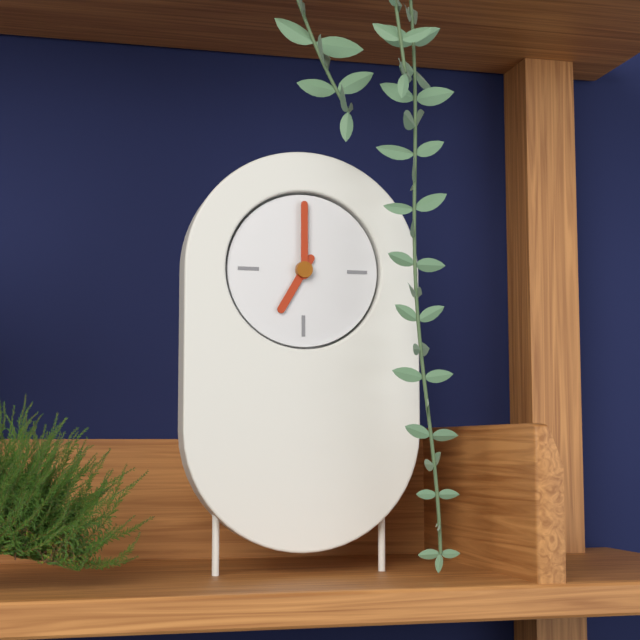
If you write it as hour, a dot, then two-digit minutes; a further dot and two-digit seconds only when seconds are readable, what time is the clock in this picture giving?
7.00
